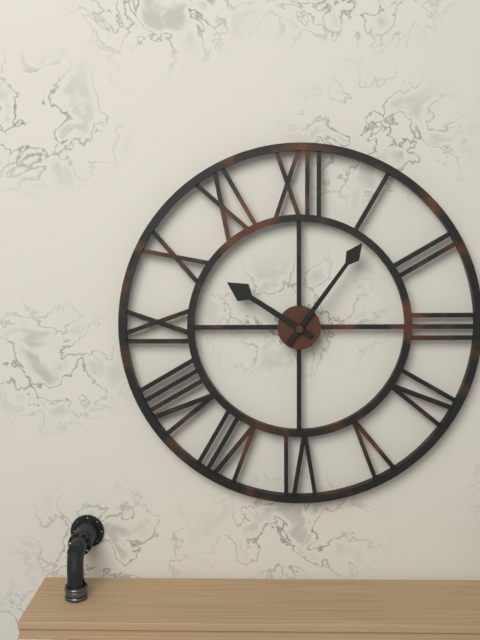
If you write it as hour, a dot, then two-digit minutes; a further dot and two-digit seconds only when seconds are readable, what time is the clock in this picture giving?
10.06
